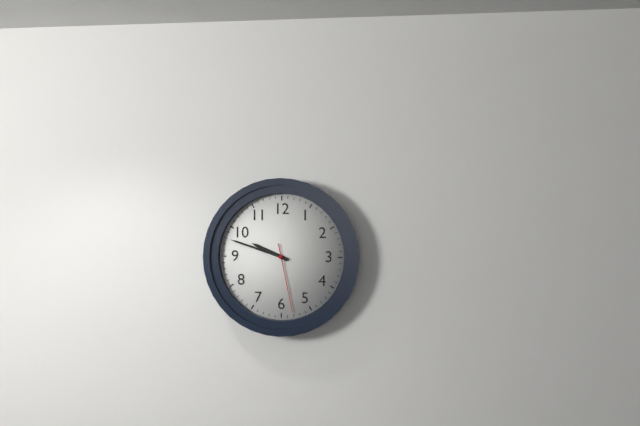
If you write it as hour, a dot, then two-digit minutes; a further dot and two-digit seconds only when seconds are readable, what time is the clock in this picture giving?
9.48.28
